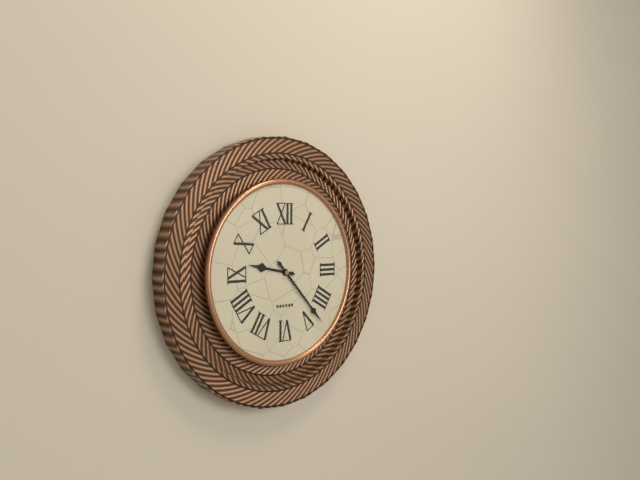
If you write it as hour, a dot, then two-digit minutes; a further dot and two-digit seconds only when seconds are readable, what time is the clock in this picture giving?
9.23
